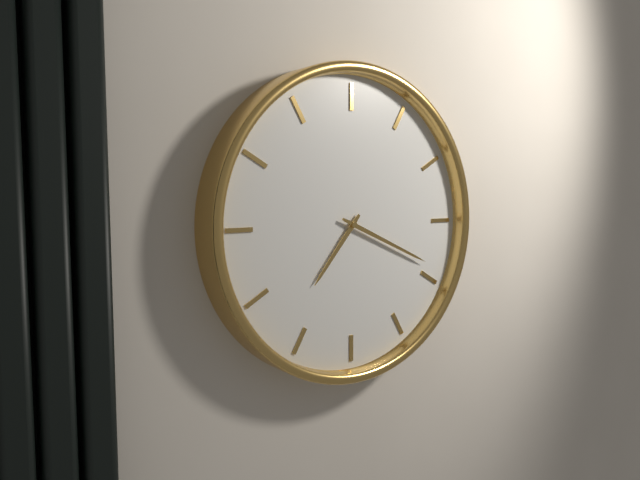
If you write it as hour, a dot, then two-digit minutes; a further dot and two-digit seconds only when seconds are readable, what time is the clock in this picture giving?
7.19
